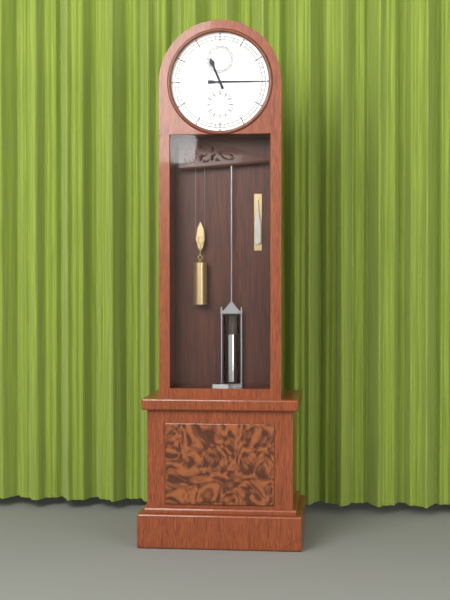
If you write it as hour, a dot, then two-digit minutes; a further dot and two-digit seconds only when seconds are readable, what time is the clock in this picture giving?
11.15
